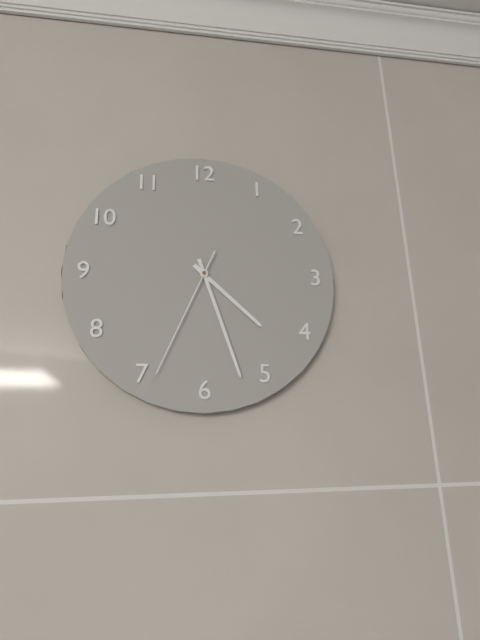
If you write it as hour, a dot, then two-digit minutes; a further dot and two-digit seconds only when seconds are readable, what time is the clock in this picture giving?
4.27.34
